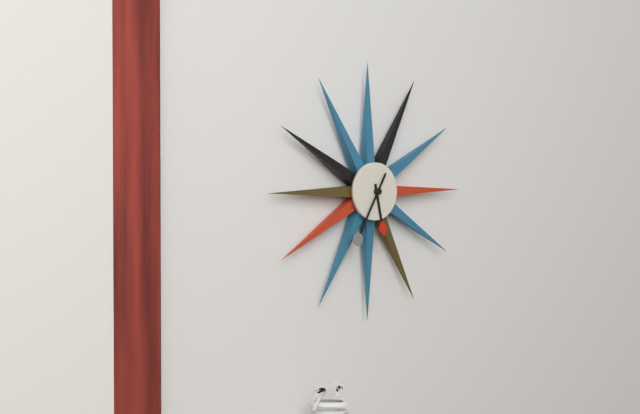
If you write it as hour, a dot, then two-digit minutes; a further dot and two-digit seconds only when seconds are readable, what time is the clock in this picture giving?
5.35
